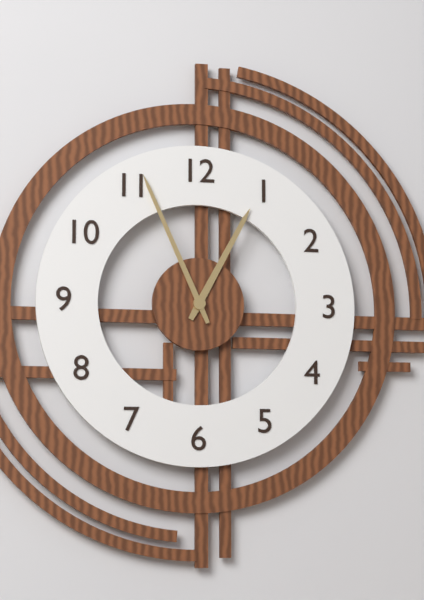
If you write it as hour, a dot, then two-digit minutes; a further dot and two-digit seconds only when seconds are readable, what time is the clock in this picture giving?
12.56
